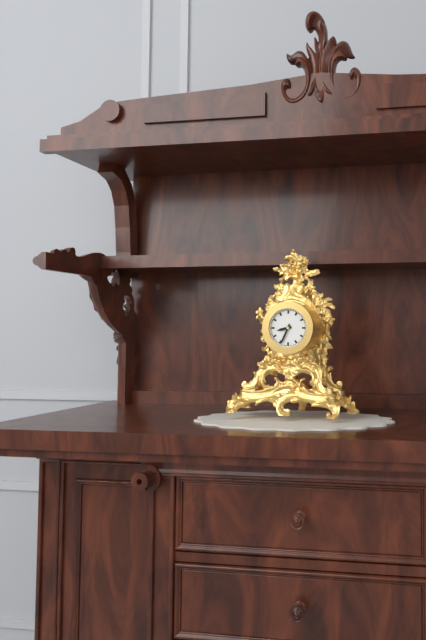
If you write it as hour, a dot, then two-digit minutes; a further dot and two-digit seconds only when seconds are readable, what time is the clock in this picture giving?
8.34
